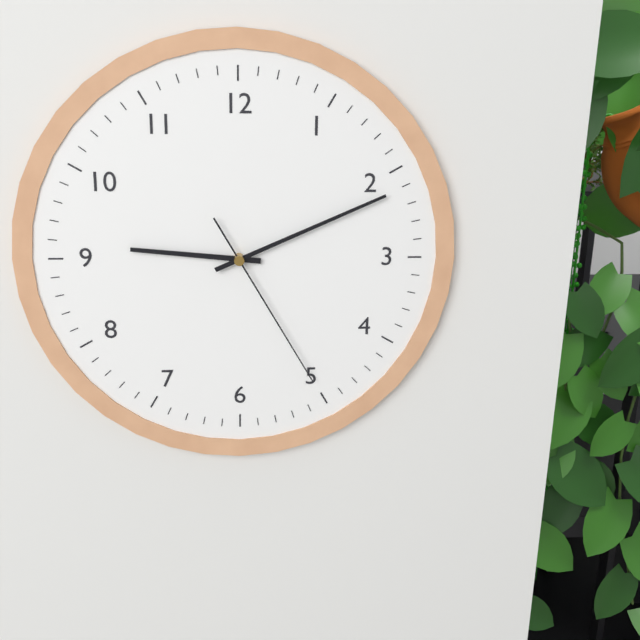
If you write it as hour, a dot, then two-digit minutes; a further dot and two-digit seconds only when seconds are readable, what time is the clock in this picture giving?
9.11.25
